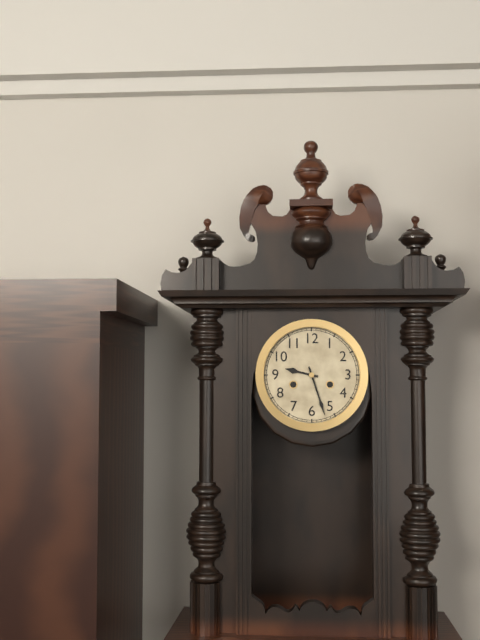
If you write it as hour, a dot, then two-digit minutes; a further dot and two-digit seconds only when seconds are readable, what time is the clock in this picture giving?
9.27
